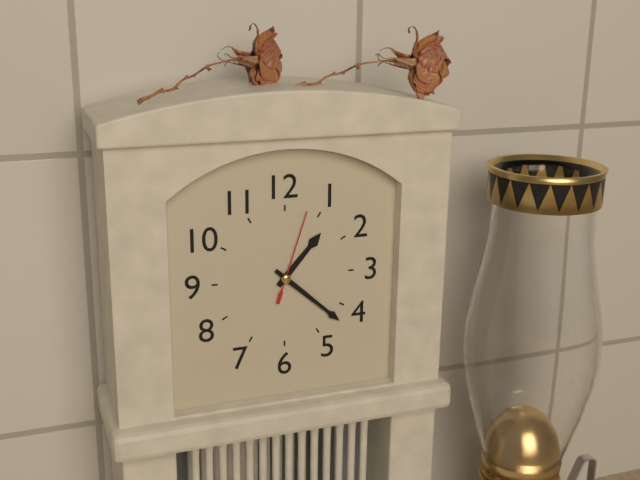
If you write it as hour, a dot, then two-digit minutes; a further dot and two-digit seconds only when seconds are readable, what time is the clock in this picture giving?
1.22.03
